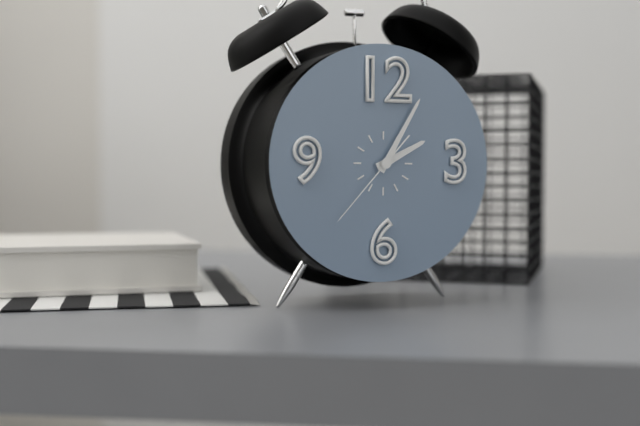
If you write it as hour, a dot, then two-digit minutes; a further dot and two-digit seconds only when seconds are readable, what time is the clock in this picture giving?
2.05.37
